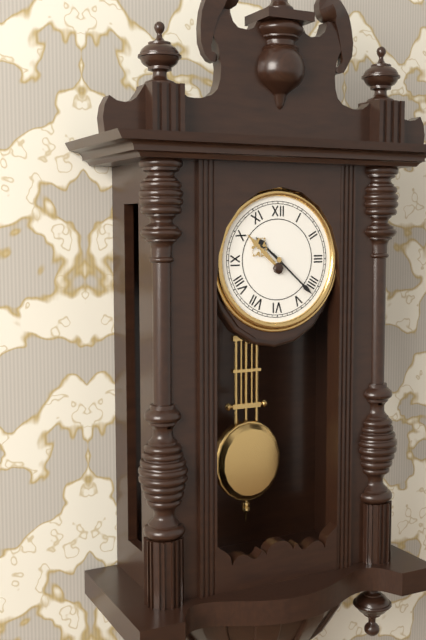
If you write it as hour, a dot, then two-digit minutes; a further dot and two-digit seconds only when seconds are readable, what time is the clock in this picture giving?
10.22
